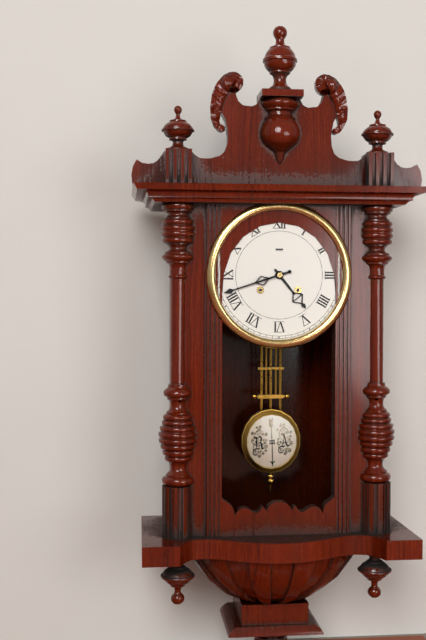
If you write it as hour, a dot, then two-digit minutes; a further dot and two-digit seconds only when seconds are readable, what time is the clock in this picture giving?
4.42
